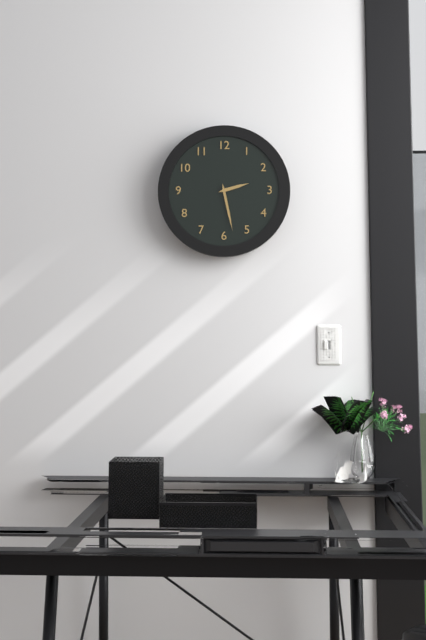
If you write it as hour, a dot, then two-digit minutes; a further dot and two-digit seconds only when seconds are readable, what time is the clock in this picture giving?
2.28
